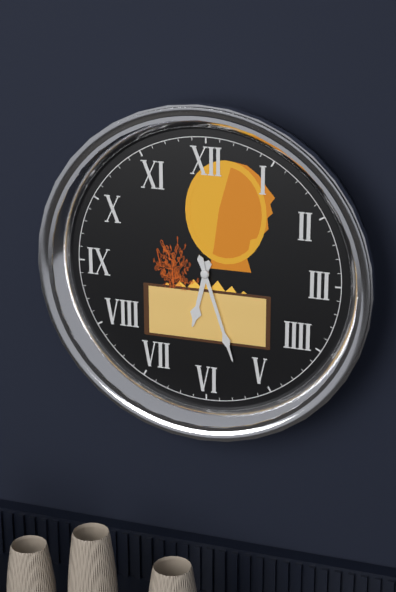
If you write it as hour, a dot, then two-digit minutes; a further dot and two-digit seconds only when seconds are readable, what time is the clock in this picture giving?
6.27
